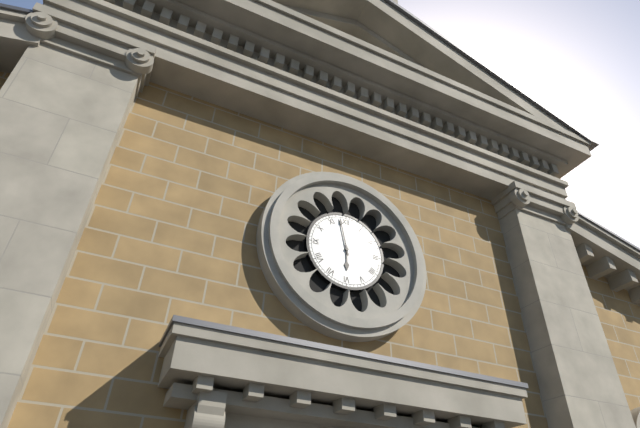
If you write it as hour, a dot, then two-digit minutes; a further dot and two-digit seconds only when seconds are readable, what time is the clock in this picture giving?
5.58
